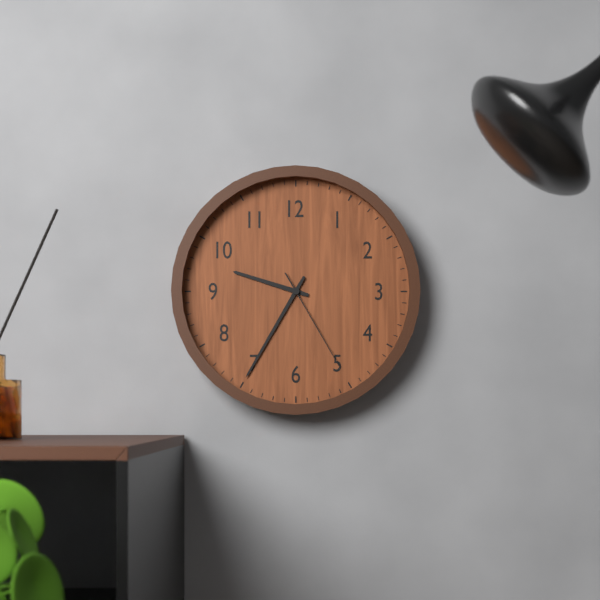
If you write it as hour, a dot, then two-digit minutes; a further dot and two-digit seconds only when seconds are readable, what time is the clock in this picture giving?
9.35.25
